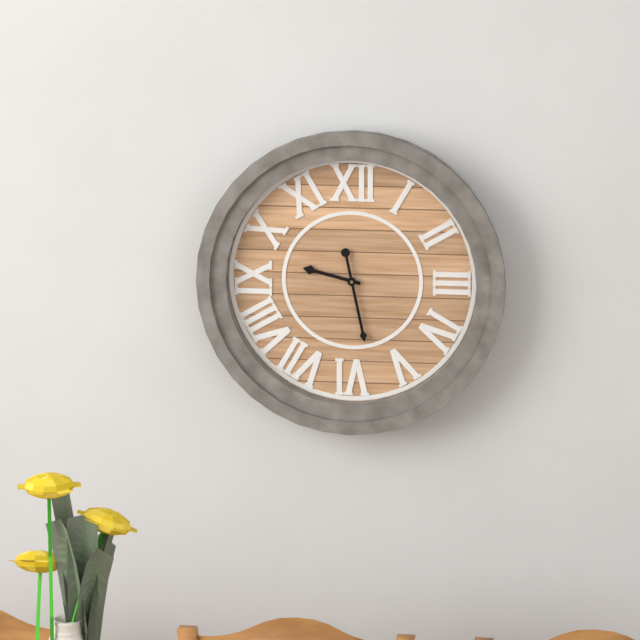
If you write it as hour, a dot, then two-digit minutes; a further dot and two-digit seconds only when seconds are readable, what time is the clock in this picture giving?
9.28
